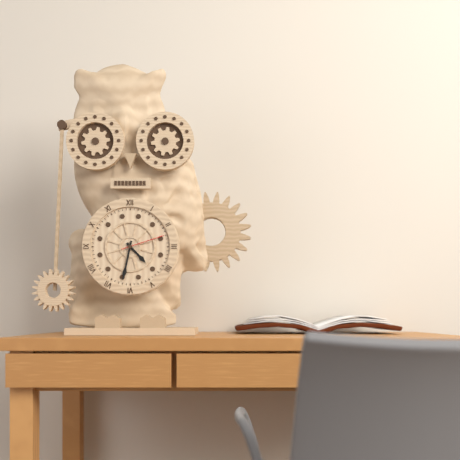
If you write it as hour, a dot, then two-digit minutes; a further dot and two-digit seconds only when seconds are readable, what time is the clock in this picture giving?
4.32
